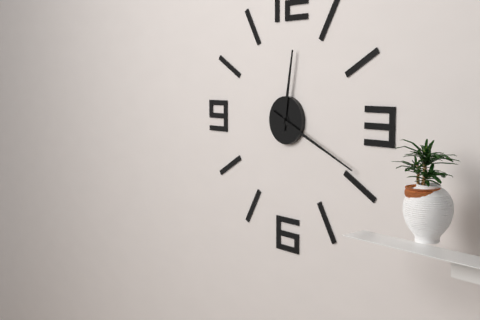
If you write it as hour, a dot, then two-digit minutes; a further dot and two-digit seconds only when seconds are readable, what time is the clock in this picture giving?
12.19
